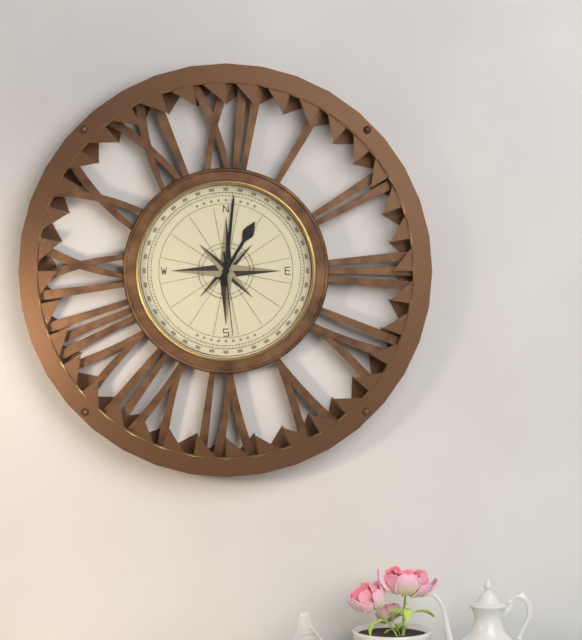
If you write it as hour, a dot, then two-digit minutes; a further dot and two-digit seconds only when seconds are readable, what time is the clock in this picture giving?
1.01.29
